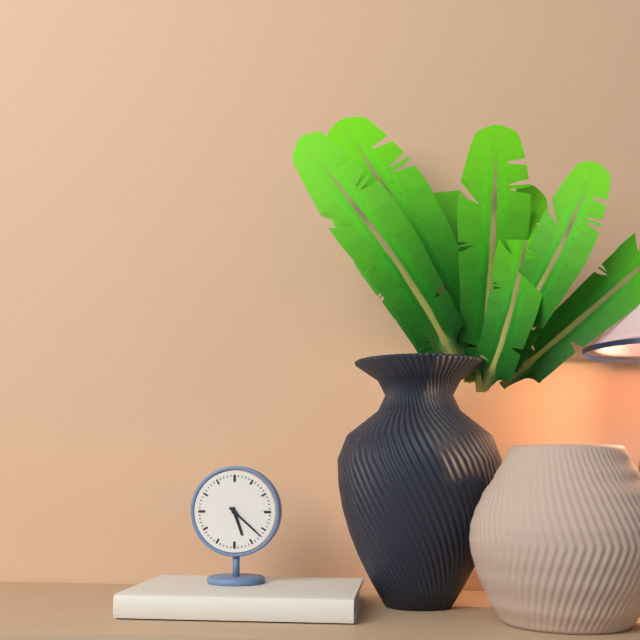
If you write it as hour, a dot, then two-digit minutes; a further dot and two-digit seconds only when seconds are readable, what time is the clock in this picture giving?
5.22
